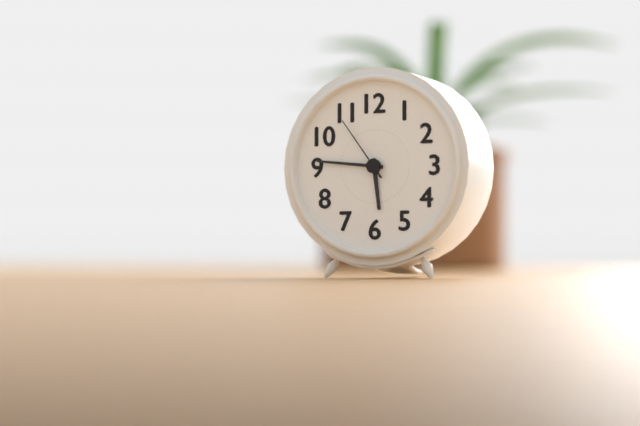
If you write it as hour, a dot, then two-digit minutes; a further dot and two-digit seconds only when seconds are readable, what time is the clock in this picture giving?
5.46.54
